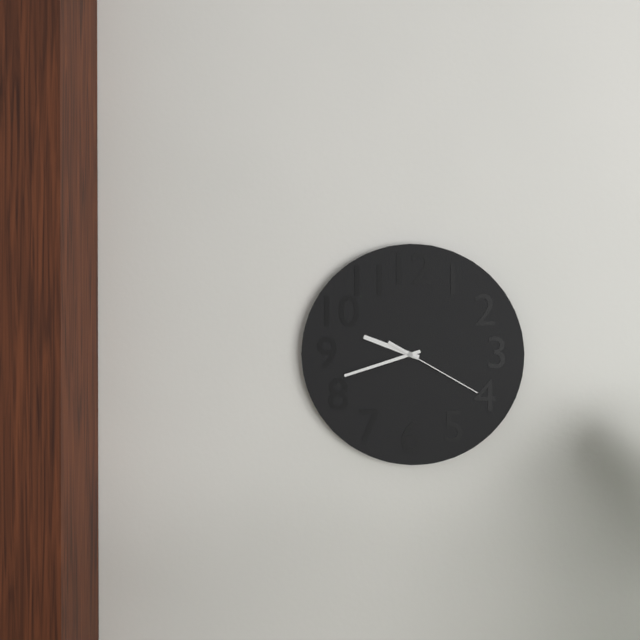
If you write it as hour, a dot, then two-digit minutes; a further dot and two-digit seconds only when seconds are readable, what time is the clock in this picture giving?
9.42.20
